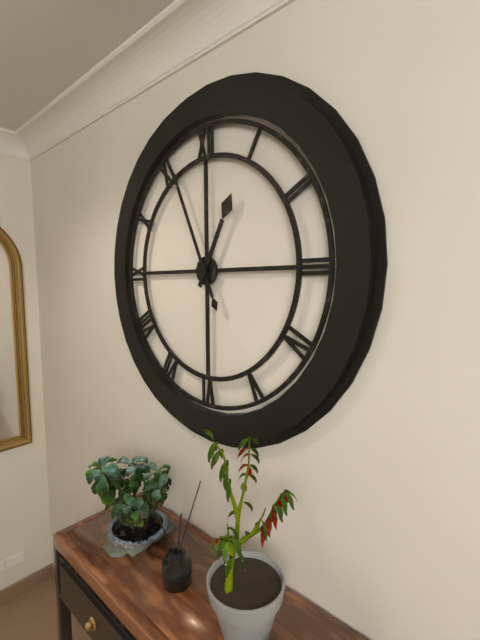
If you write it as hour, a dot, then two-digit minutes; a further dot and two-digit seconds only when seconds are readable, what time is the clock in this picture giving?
12.56
